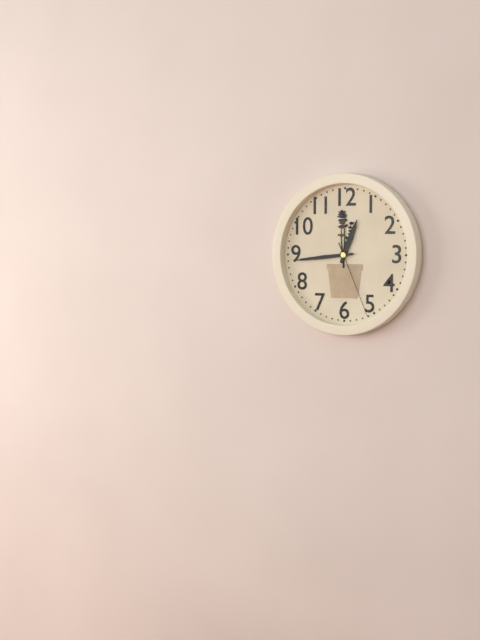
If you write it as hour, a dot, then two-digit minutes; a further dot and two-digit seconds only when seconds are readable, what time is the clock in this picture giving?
12.44.26
